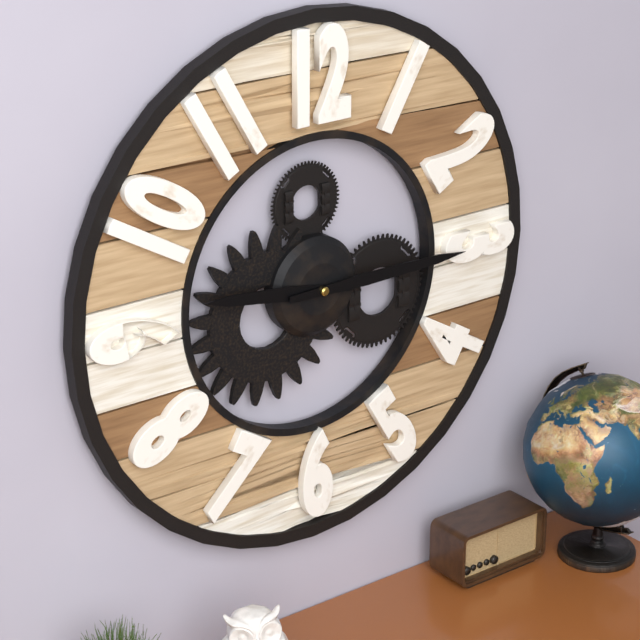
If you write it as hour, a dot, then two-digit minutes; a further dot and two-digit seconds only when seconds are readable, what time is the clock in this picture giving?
9.15
